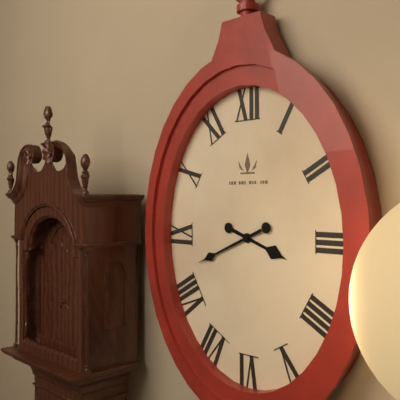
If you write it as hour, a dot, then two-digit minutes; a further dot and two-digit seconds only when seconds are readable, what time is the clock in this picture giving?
3.41
